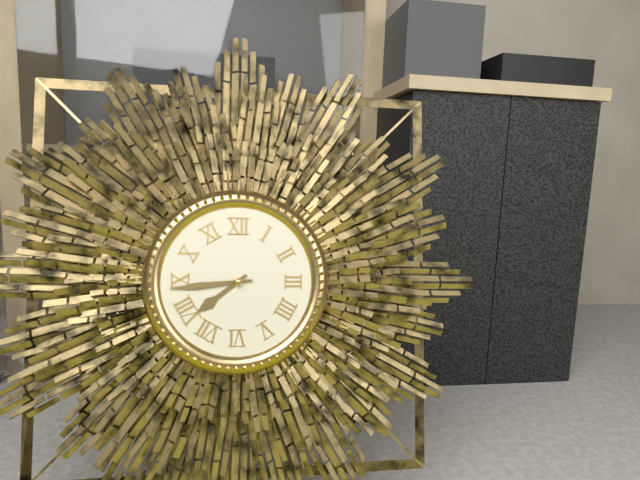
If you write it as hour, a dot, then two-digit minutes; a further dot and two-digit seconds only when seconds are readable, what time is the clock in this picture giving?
7.44
